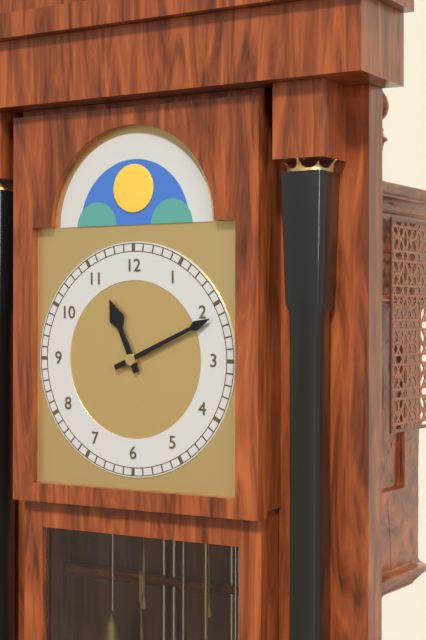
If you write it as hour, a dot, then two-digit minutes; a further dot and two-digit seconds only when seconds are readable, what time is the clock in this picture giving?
11.11
